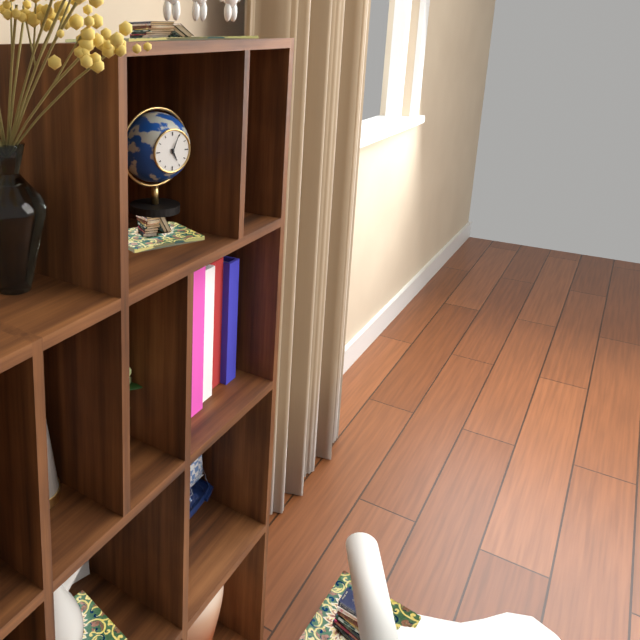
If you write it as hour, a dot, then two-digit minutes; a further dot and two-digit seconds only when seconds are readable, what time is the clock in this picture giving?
5.04
